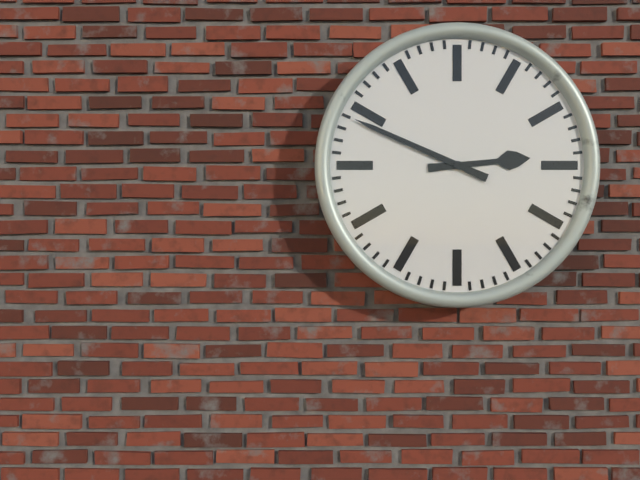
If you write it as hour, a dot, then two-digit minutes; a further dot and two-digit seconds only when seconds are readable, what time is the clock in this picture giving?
2.49
